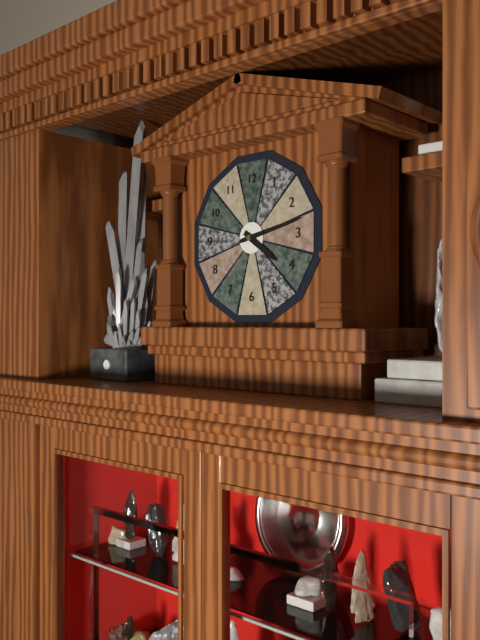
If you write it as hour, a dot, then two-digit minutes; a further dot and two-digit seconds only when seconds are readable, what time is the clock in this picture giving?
4.13
